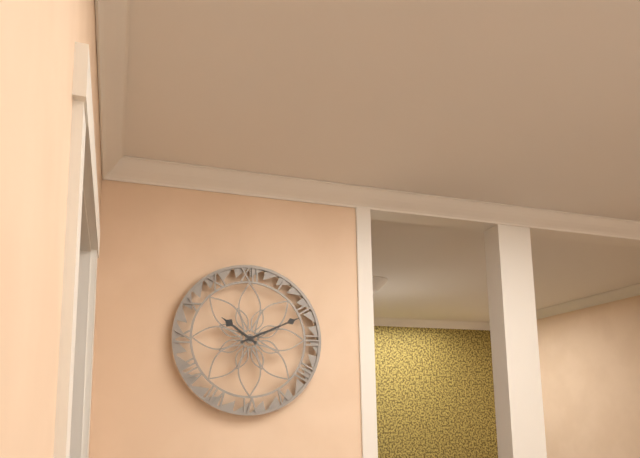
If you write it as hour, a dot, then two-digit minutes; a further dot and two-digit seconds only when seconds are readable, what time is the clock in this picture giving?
10.11
